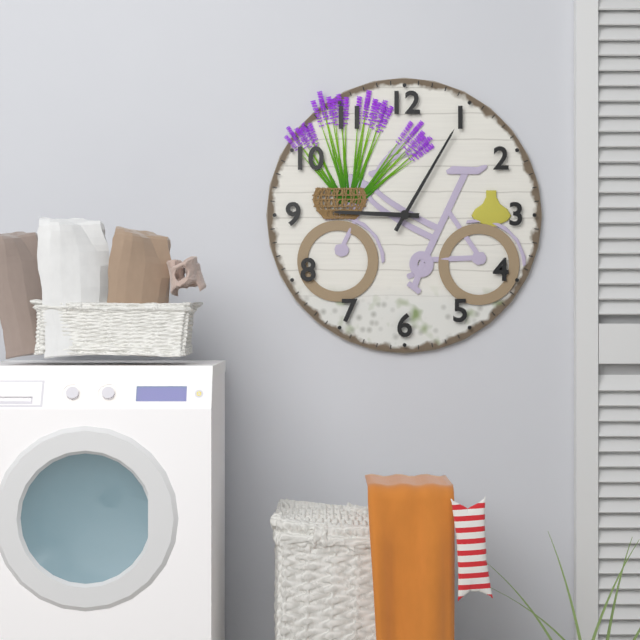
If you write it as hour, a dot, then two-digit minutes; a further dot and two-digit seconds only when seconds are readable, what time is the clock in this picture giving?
9.05
